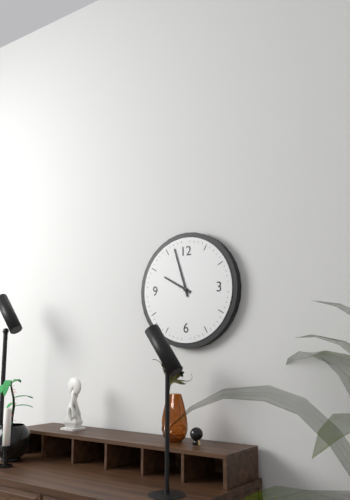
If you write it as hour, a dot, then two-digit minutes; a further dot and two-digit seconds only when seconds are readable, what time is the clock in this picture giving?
9.57
